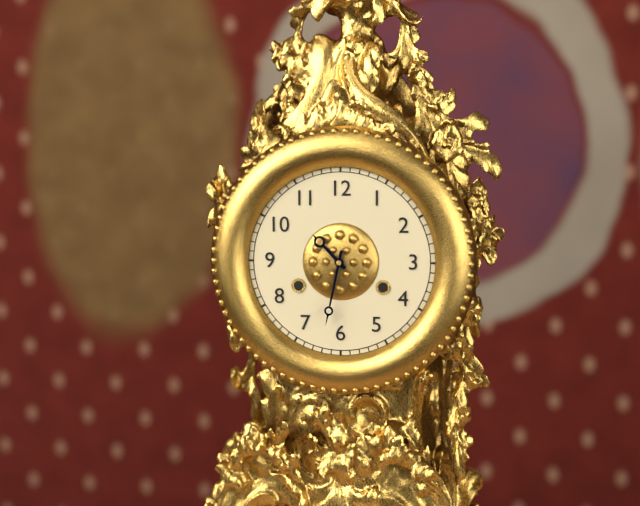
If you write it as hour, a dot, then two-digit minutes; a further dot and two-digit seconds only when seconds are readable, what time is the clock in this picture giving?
10.32
